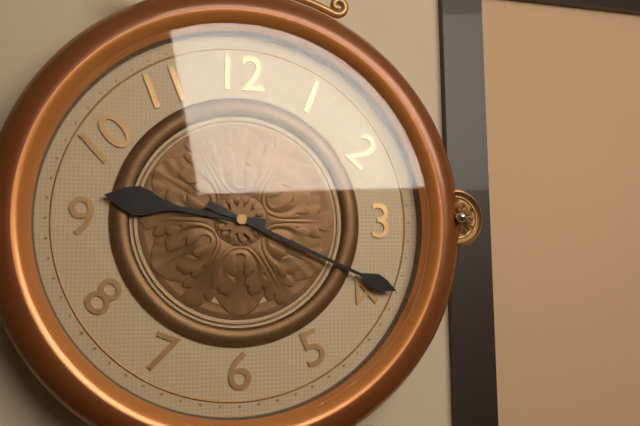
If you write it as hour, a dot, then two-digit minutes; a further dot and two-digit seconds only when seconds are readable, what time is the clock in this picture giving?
9.19
